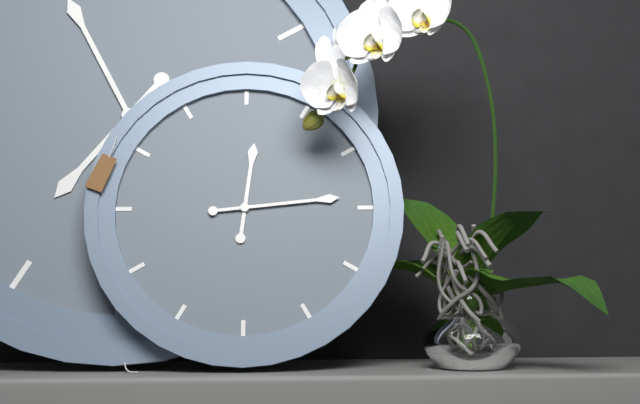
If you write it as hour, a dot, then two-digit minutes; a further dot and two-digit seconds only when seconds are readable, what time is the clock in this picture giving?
12.14
